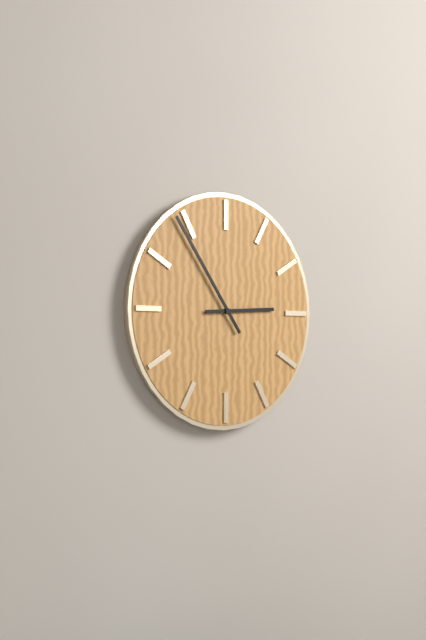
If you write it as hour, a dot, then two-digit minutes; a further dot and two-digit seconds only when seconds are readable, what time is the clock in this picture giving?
2.54
